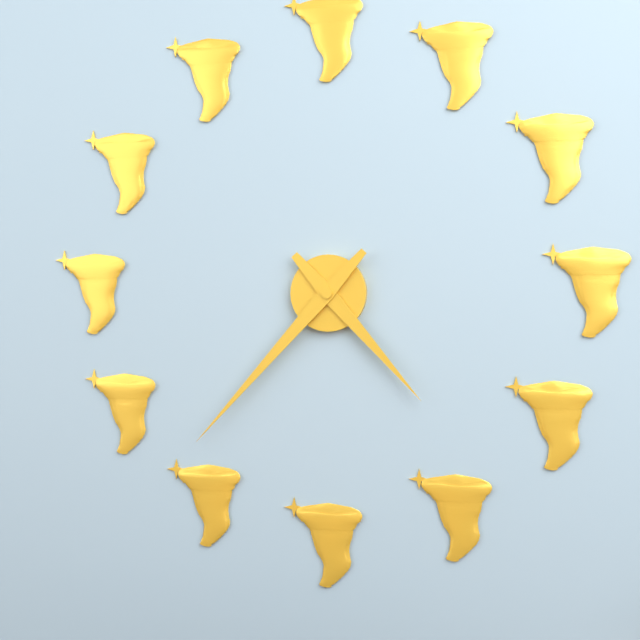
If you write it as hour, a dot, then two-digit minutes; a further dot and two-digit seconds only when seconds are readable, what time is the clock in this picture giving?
4.37
